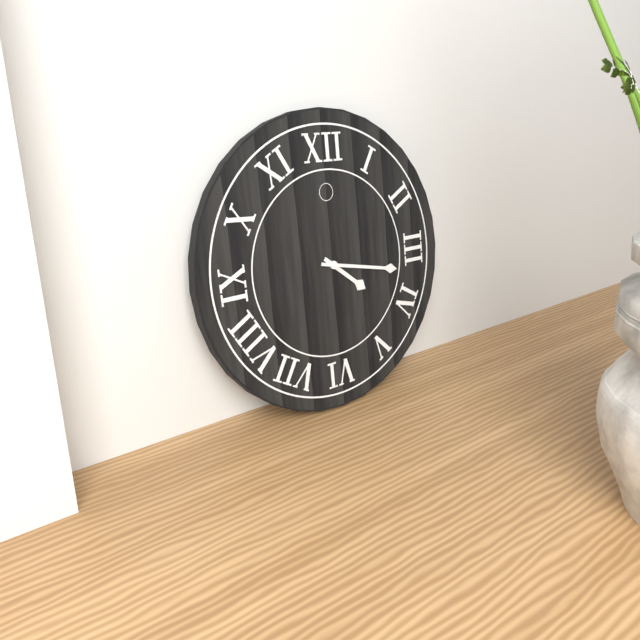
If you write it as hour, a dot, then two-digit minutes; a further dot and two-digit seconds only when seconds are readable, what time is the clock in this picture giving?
4.17
